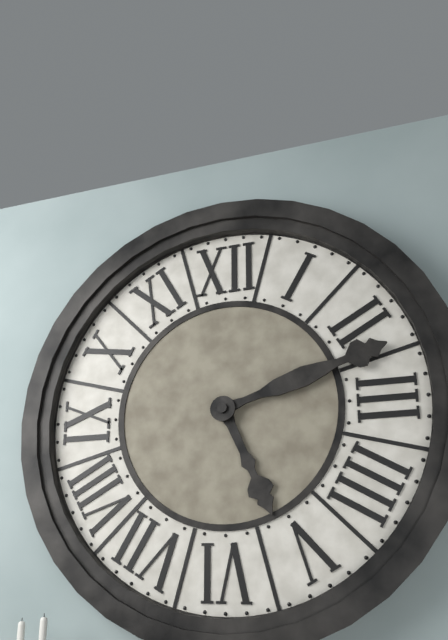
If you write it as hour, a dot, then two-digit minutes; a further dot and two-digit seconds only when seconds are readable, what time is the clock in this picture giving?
5.12
